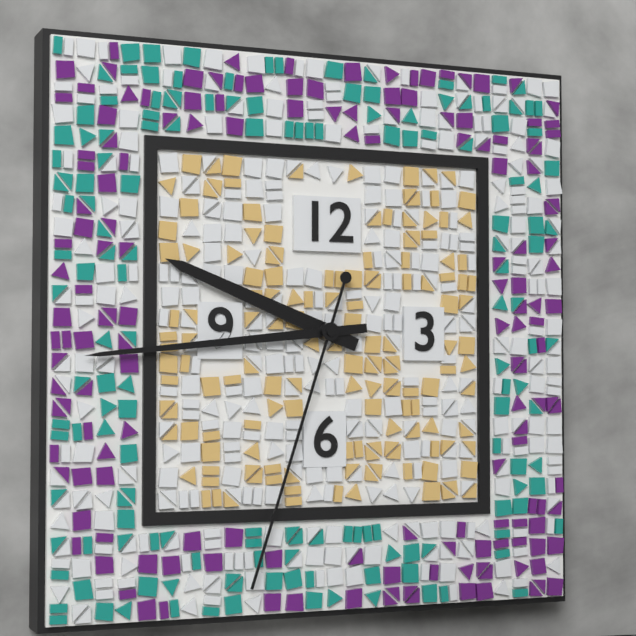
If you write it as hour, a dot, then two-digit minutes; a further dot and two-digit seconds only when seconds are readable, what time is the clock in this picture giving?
9.44.33
